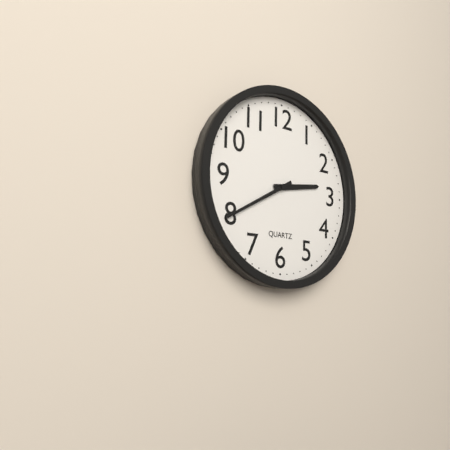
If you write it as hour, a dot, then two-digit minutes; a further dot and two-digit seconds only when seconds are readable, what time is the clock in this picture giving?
2.40
